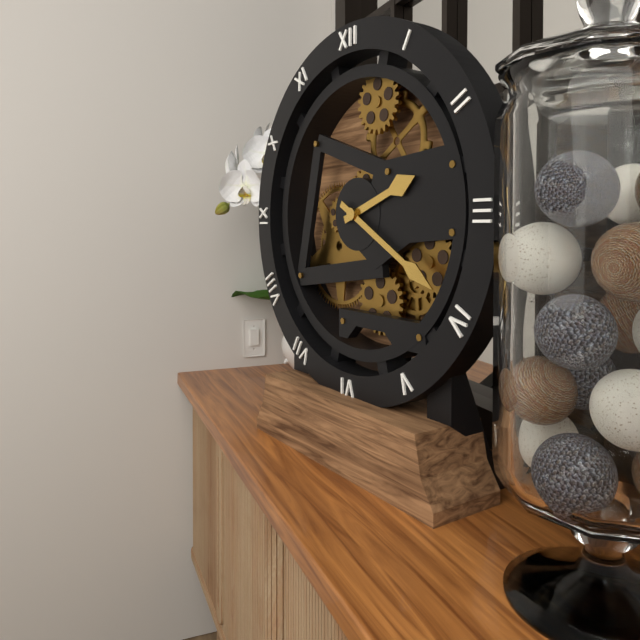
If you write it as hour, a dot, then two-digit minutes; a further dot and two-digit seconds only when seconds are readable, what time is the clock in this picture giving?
2.20
